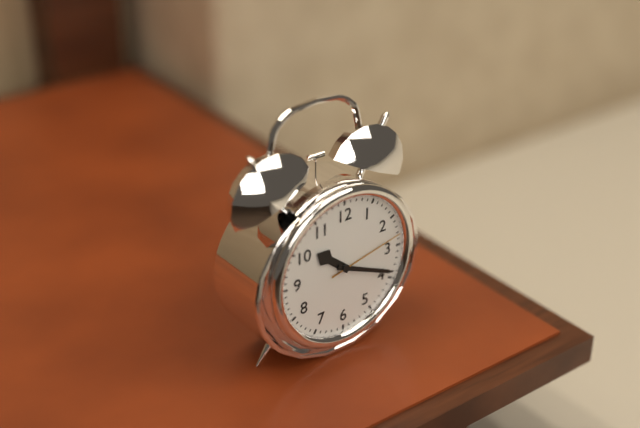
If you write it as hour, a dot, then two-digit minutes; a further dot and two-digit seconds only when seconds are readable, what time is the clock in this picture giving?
10.19.13
